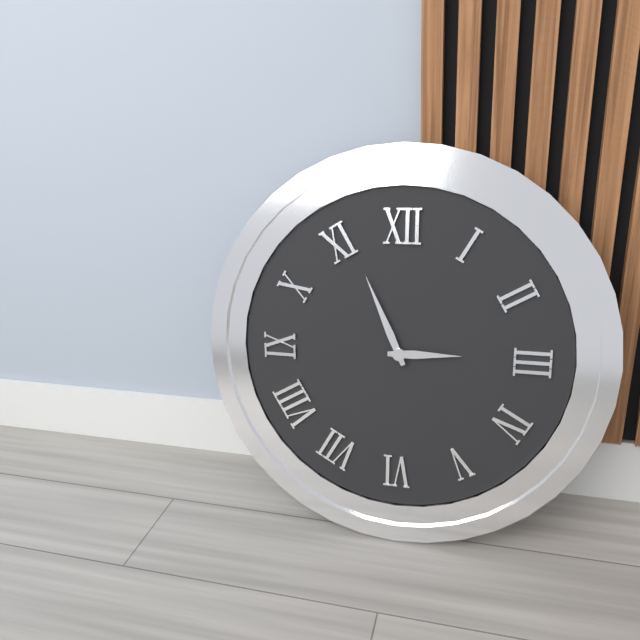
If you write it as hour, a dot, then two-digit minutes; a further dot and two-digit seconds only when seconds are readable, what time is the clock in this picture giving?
2.56
